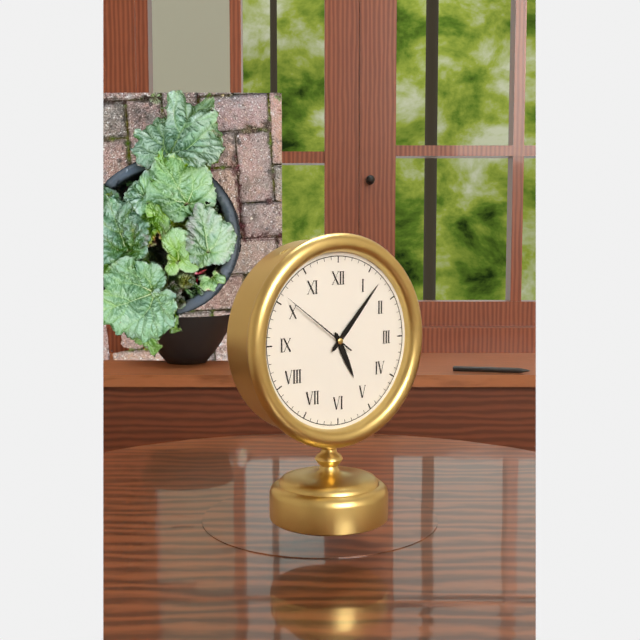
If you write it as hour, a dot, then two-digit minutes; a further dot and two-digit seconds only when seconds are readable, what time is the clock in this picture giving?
5.07.51
